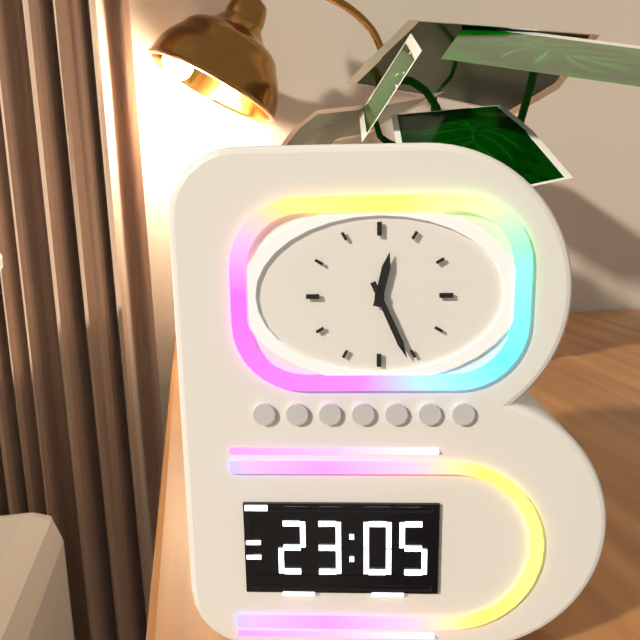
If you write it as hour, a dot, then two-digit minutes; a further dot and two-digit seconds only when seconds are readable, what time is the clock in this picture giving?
12.26
